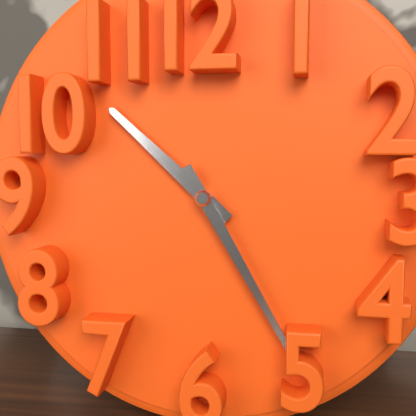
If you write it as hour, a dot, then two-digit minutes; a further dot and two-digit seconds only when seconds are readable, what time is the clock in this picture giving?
10.25
